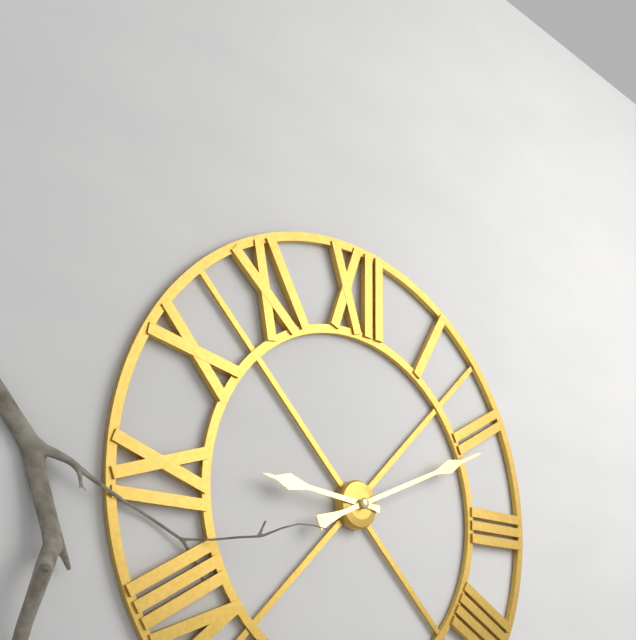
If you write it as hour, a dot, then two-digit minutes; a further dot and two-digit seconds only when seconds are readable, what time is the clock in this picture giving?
9.11
